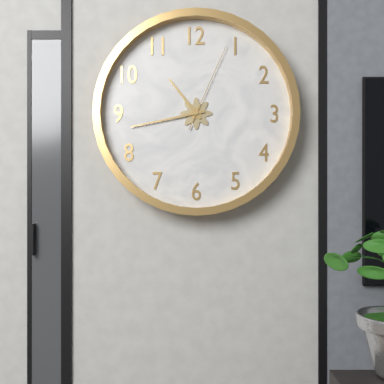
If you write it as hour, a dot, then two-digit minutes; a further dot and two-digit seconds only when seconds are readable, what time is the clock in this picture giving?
10.43.04
